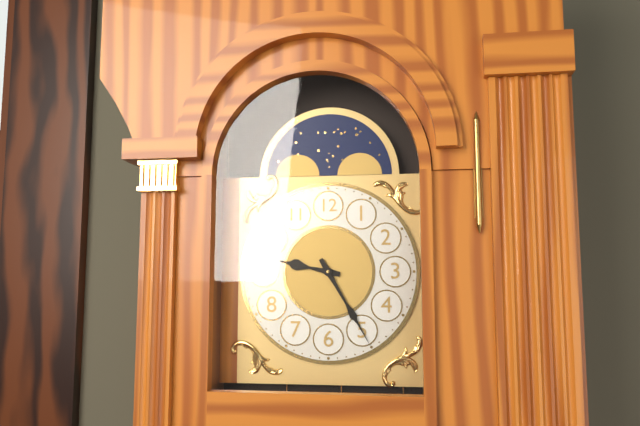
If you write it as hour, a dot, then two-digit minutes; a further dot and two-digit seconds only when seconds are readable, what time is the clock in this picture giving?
9.25
